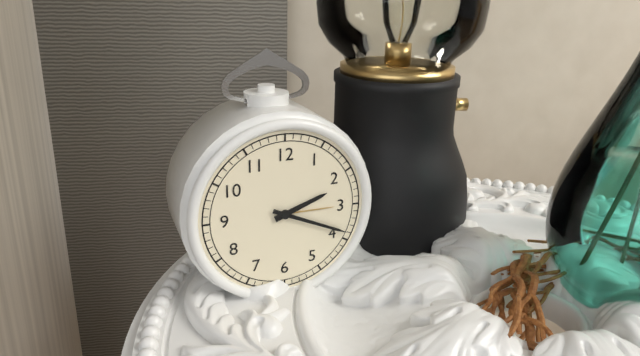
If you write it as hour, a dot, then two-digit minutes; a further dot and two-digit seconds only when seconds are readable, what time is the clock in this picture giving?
2.19
